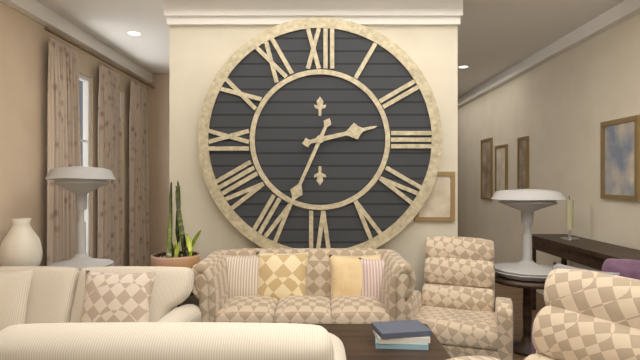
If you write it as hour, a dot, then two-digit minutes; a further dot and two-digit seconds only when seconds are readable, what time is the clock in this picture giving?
2.34
